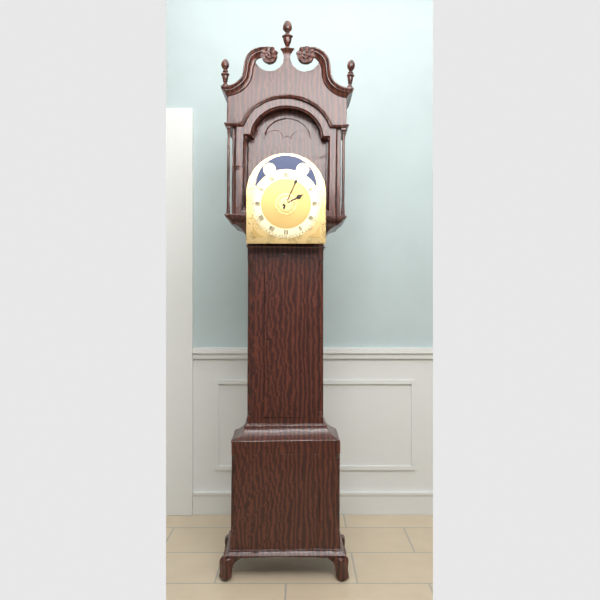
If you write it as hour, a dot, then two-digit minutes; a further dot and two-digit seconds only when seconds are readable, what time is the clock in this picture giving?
2.04
